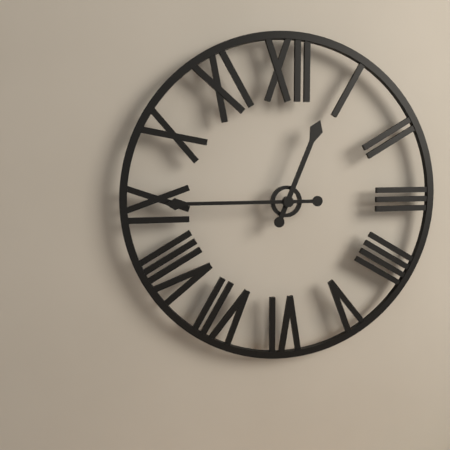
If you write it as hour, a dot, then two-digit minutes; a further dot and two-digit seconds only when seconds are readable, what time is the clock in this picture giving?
12.45
